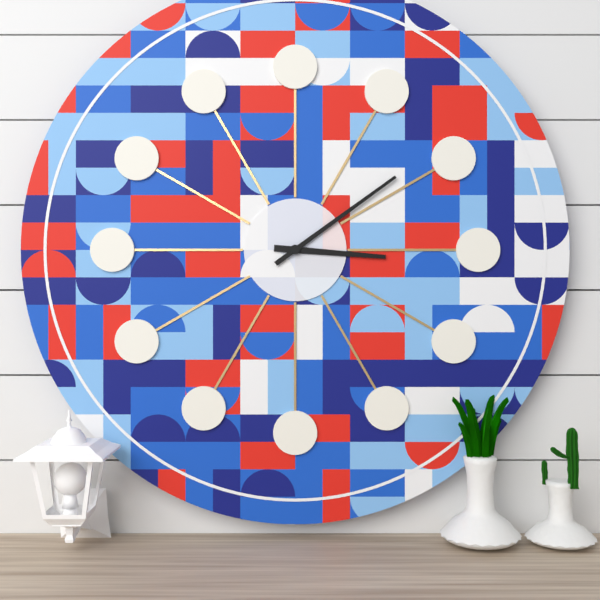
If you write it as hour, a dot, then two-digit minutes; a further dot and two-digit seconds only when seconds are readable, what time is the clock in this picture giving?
3.09
